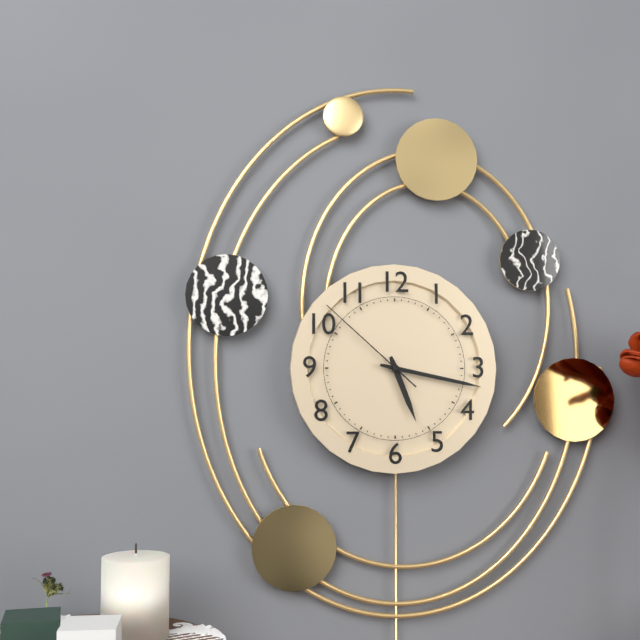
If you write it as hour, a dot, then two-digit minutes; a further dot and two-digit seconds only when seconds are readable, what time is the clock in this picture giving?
5.17.52
